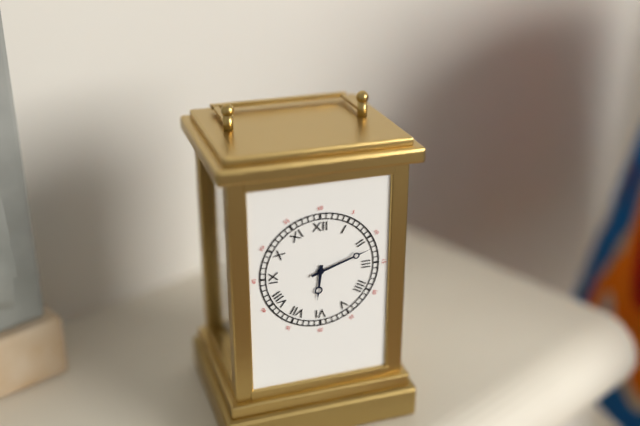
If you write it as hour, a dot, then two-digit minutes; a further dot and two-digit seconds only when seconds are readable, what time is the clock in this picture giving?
6.12
